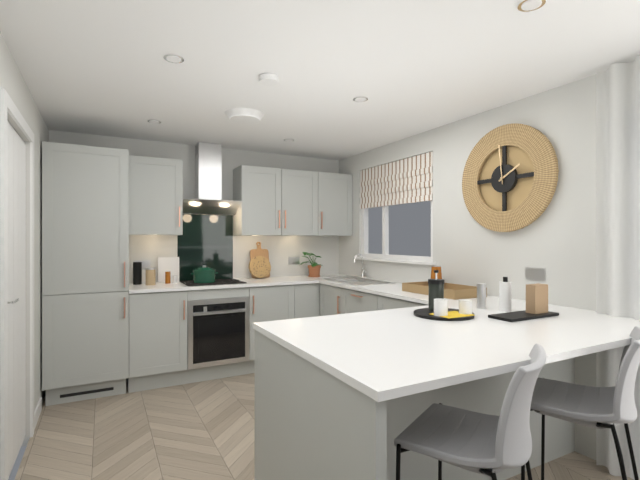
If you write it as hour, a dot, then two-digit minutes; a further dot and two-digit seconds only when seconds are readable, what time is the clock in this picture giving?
1.59
